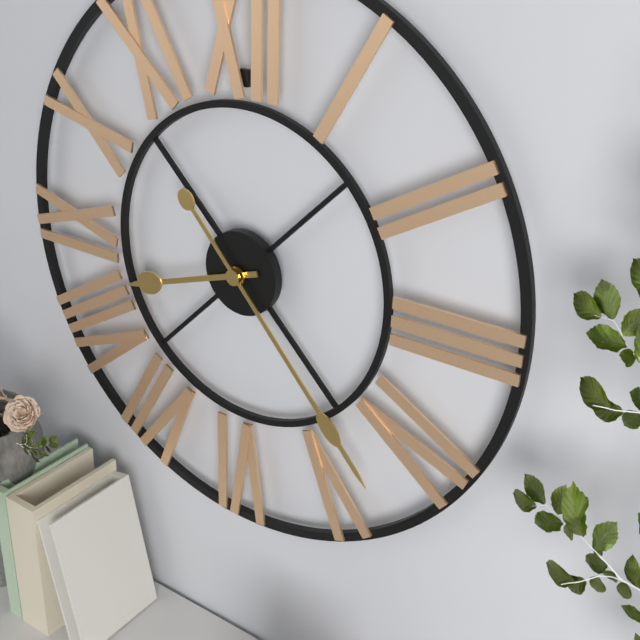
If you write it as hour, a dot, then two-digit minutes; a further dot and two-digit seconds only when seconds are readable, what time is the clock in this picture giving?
8.23
